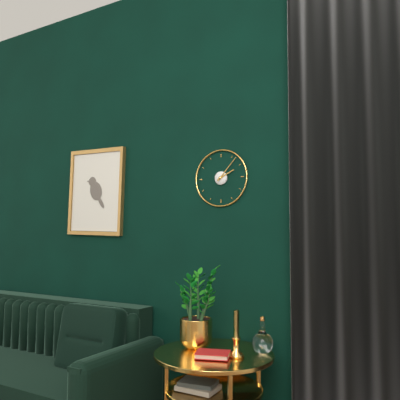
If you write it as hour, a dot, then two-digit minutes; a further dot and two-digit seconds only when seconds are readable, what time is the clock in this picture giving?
2.07
